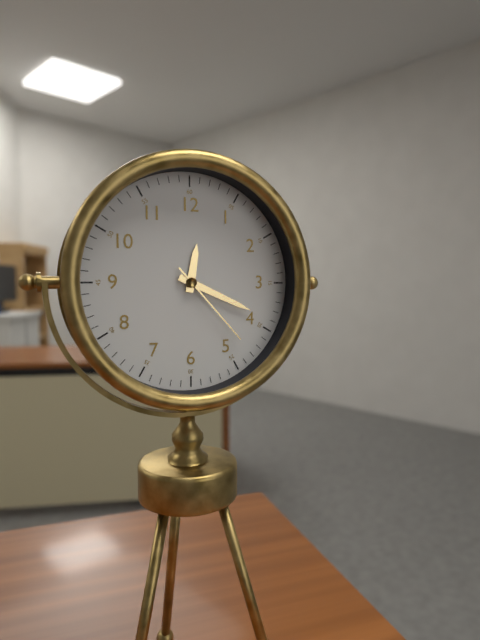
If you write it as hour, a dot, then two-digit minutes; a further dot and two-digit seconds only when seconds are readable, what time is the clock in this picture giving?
12.19.23
